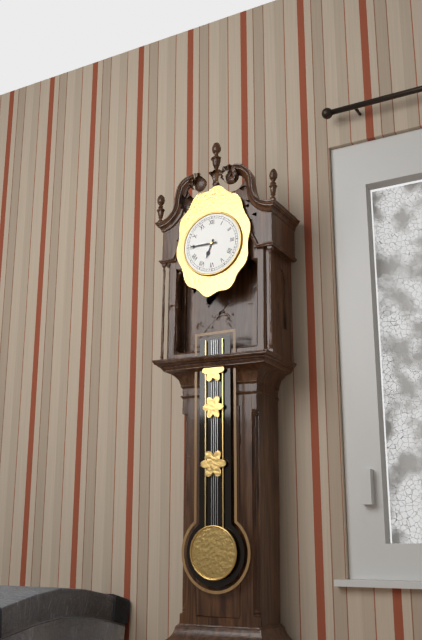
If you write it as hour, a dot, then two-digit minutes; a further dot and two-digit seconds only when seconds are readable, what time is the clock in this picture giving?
6.45
